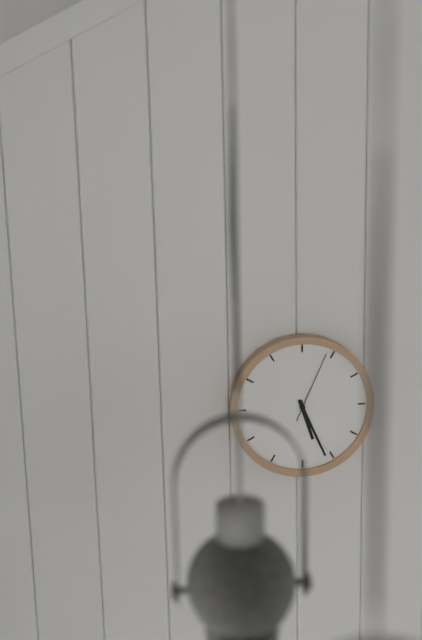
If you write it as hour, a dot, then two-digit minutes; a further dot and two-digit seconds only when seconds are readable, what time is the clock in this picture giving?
5.26.04
